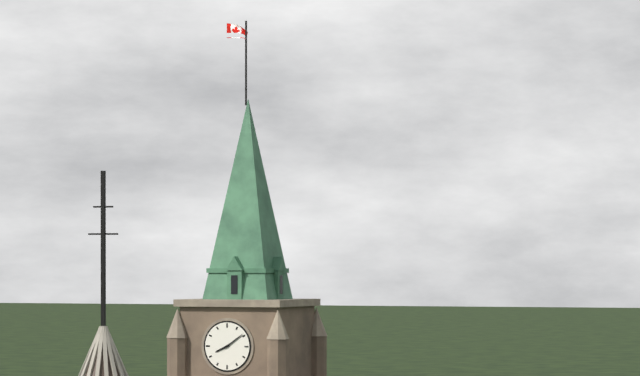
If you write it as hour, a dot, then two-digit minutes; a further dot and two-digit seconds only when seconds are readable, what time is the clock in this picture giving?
8.09
